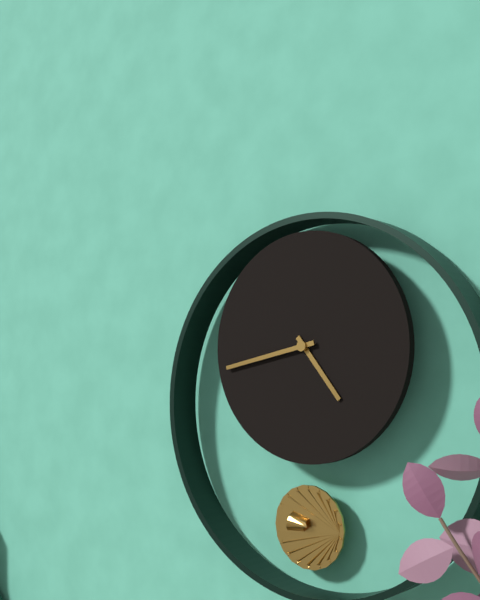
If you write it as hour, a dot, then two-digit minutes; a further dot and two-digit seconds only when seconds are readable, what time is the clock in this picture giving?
4.43
